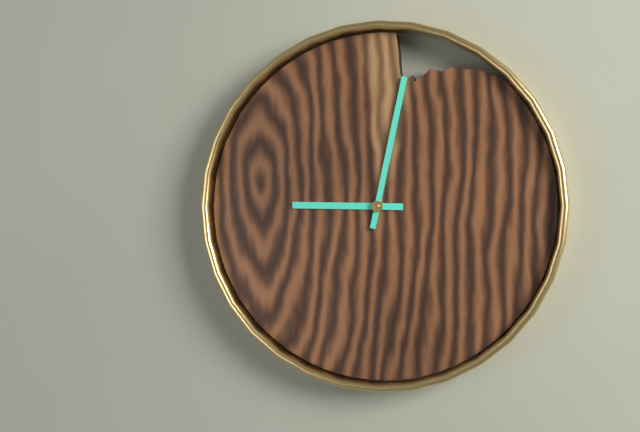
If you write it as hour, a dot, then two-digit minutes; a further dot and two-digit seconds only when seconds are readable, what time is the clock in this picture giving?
9.02
